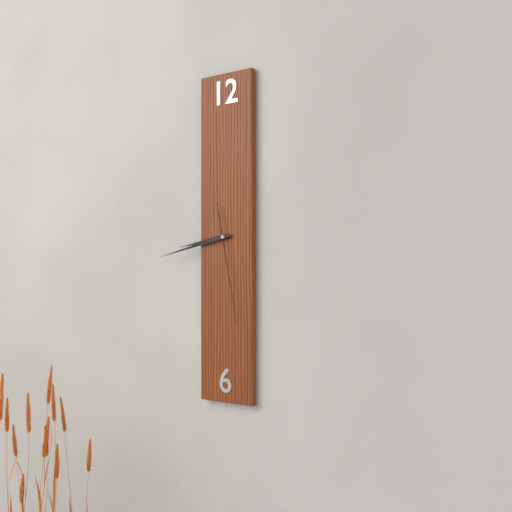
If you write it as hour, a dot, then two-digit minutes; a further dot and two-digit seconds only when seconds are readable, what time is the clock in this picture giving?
8.43.28
